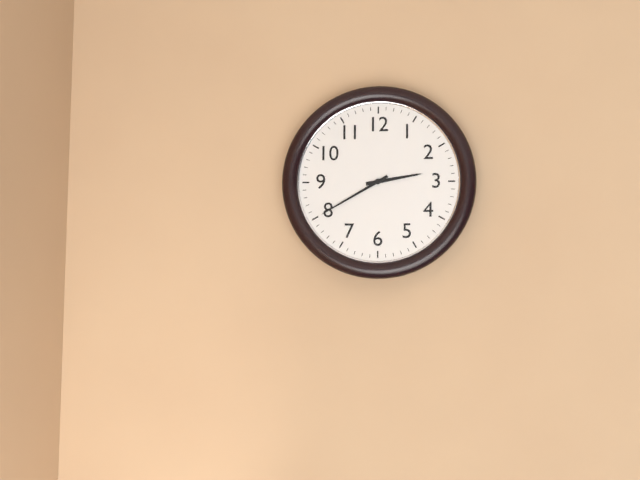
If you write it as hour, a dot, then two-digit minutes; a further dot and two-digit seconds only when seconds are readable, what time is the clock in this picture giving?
2.40
